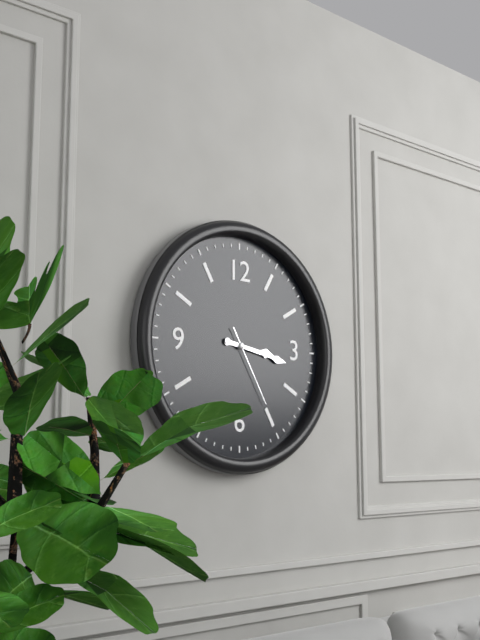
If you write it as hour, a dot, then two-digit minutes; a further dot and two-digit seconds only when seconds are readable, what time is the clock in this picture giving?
3.17.25
